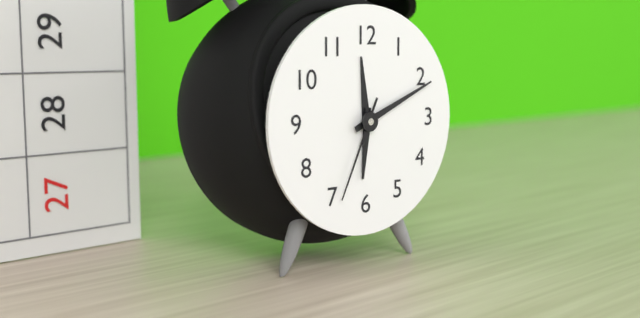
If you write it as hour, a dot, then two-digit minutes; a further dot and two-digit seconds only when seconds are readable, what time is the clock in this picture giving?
6.11.34
